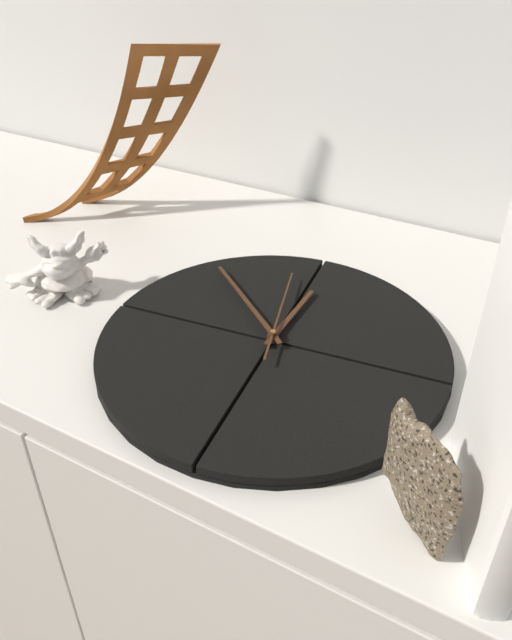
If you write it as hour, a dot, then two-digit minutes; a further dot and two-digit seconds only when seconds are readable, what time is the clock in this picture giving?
12.56.02
